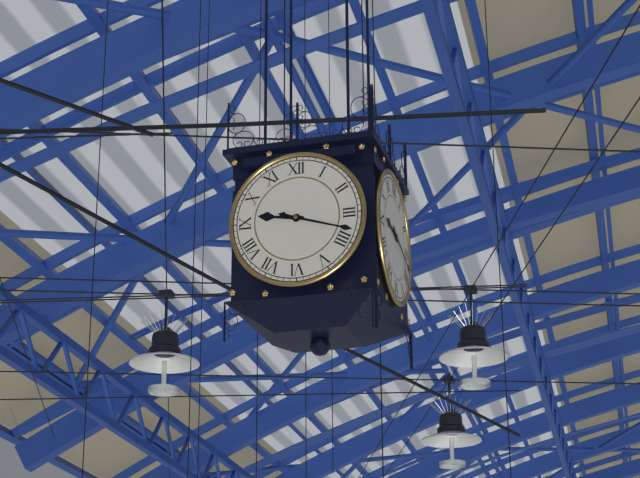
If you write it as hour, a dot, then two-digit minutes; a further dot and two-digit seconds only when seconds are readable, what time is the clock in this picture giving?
9.18
